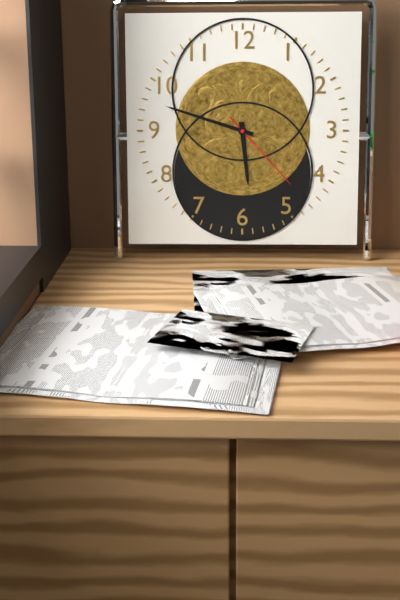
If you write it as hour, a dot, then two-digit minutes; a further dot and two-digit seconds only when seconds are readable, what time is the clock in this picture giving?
5.48.23
